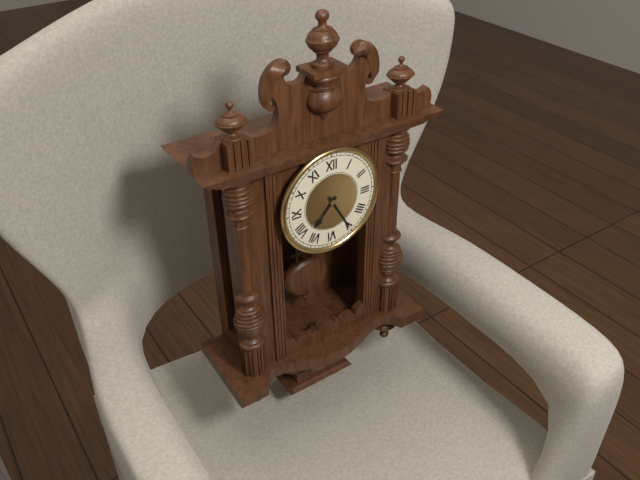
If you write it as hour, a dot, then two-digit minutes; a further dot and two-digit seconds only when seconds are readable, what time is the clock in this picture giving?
7.25
